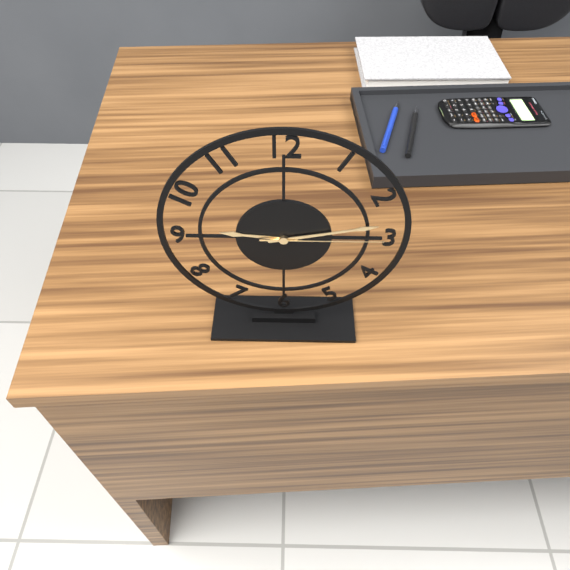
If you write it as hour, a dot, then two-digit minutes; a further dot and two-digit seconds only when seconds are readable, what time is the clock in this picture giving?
9.13.15
